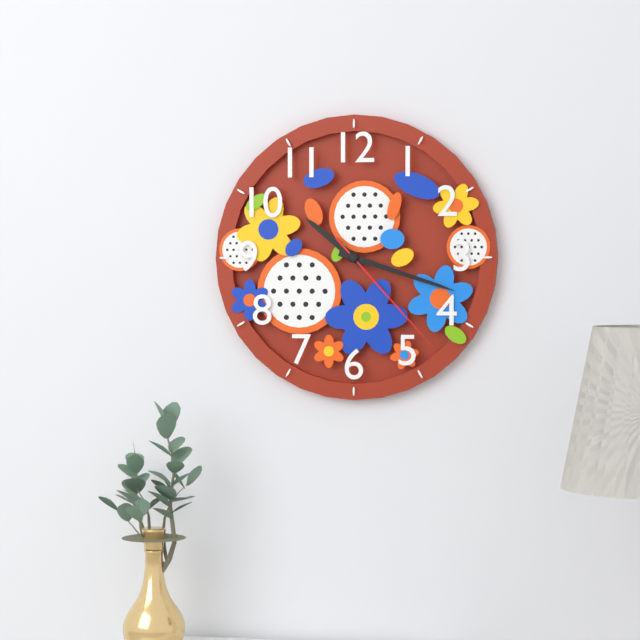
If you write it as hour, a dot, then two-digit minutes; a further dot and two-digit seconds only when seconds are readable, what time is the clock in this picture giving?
10.18.23
